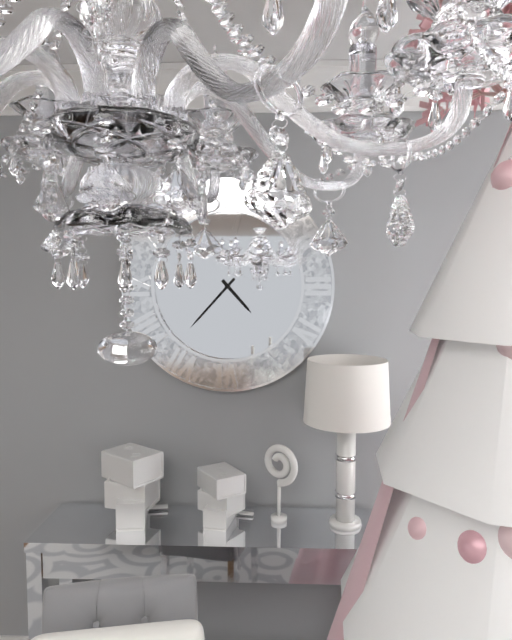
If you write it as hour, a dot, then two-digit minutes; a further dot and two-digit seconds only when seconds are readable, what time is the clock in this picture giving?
4.37
